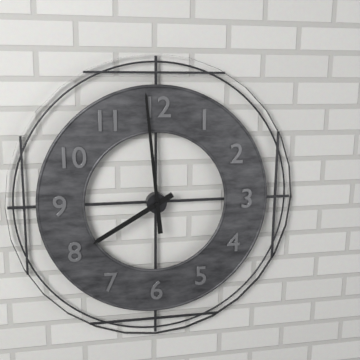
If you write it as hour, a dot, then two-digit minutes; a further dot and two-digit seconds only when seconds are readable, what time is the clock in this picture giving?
7.59
